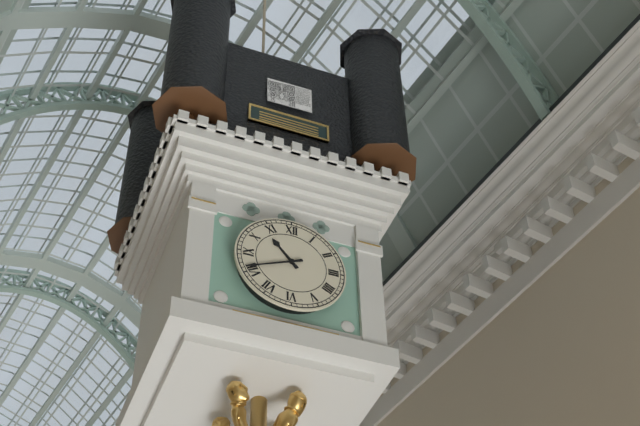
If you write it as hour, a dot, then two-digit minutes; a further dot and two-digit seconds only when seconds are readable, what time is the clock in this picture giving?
10.41
